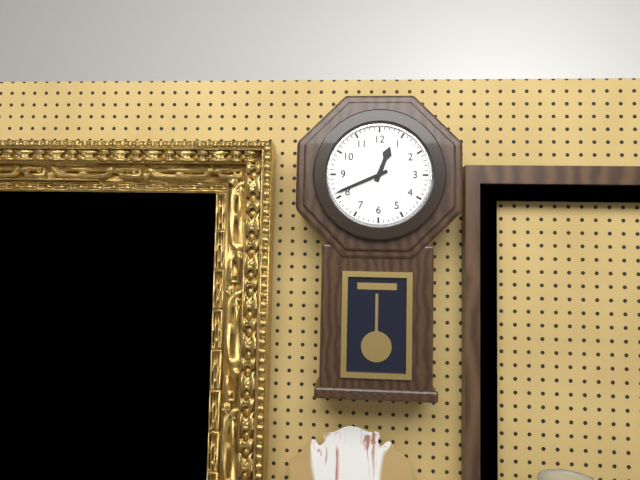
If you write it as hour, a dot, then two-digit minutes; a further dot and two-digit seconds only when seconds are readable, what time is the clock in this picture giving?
12.41
